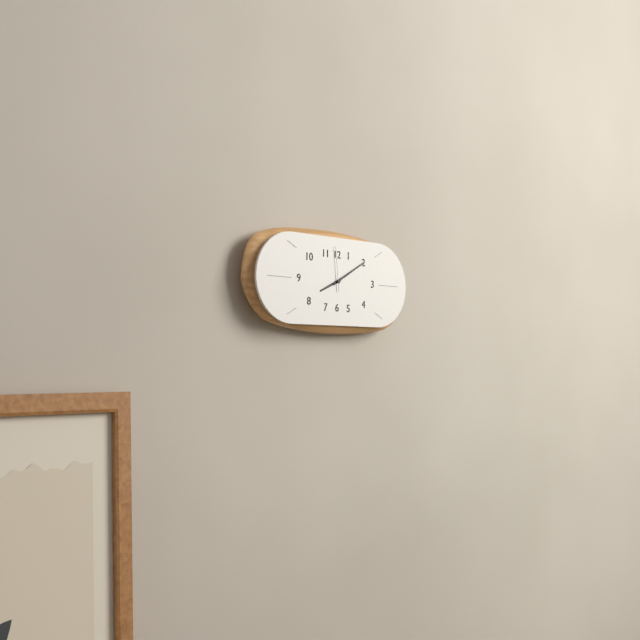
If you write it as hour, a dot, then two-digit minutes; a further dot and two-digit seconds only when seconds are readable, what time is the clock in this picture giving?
8.10
